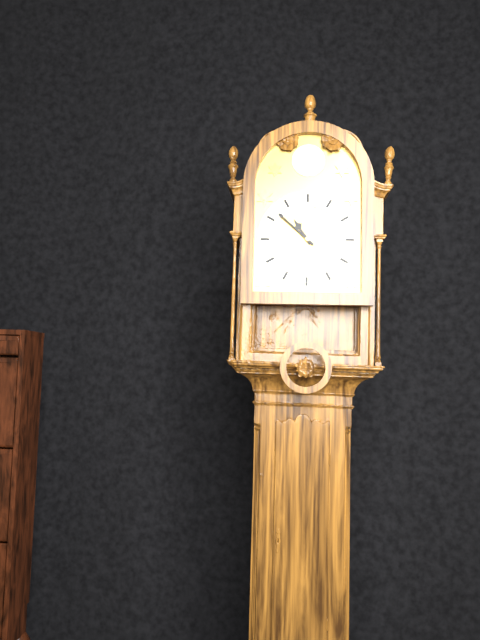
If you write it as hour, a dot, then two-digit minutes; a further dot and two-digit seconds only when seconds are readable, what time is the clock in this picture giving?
10.52
